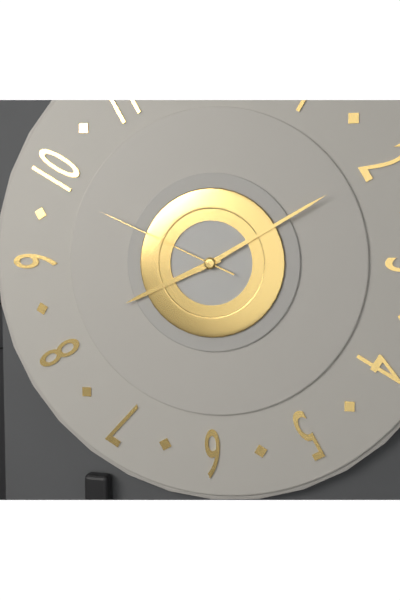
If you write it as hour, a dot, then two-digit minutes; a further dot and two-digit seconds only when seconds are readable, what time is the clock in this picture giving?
8.10.49
